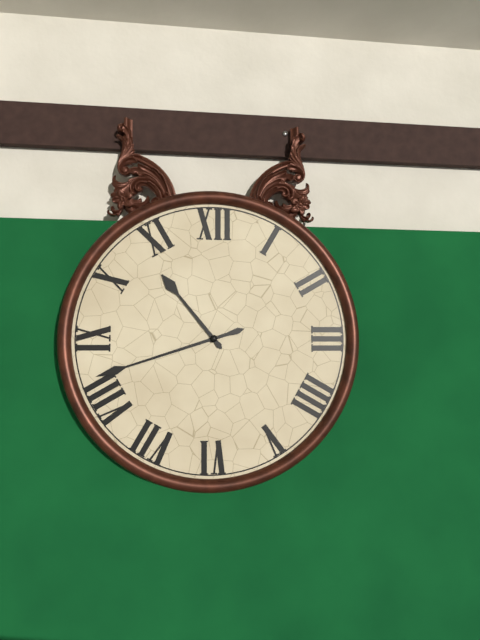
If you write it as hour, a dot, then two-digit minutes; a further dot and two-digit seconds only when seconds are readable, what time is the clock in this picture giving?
10.42
